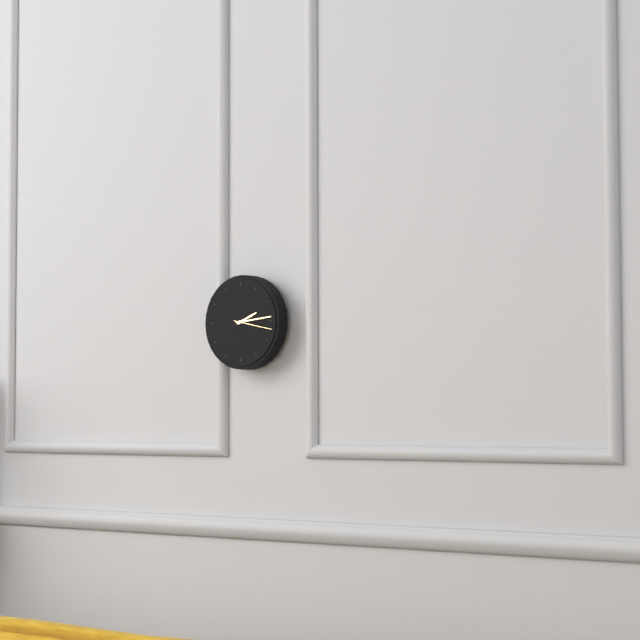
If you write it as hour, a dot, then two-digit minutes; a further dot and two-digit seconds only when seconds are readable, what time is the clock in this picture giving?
2.14
